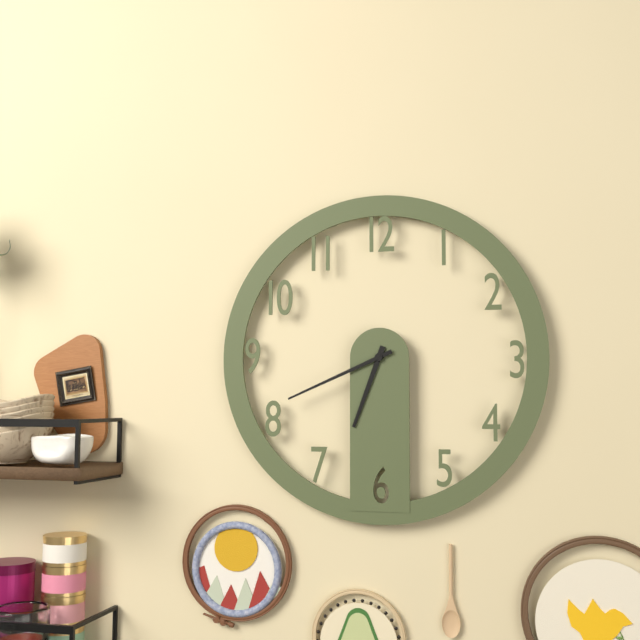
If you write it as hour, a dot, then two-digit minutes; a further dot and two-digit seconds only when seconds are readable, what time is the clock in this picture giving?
6.41
